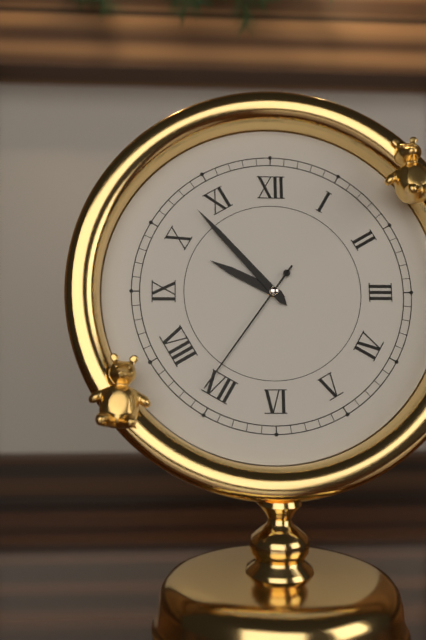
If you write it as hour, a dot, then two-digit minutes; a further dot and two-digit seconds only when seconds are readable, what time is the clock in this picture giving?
9.53.36
